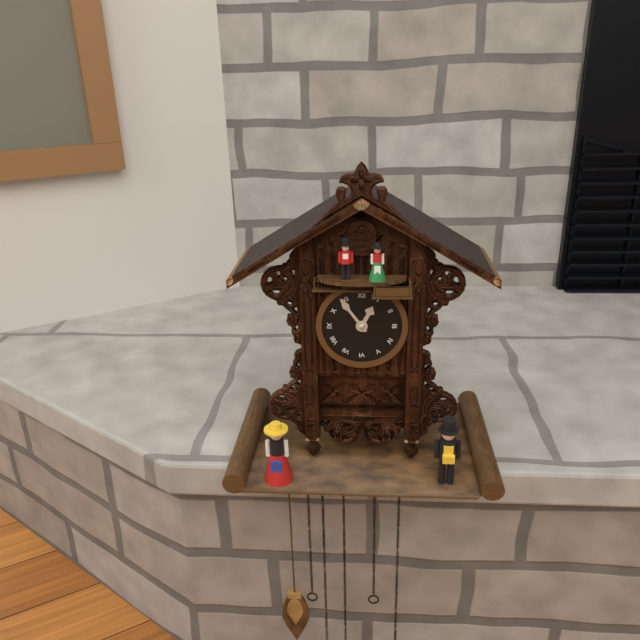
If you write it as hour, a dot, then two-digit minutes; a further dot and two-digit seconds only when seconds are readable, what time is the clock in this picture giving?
12.54
